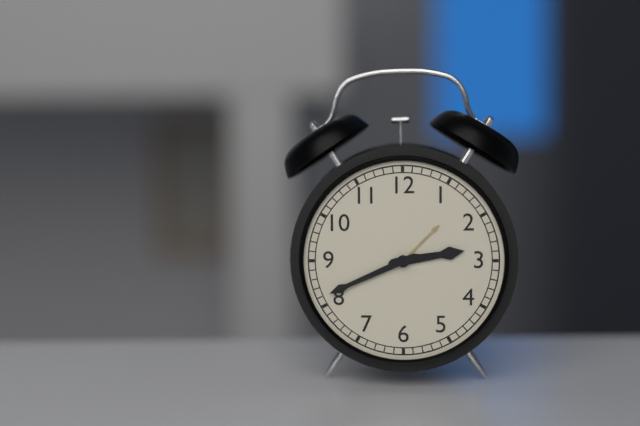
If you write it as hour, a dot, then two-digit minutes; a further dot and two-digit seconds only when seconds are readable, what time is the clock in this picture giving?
2.41
